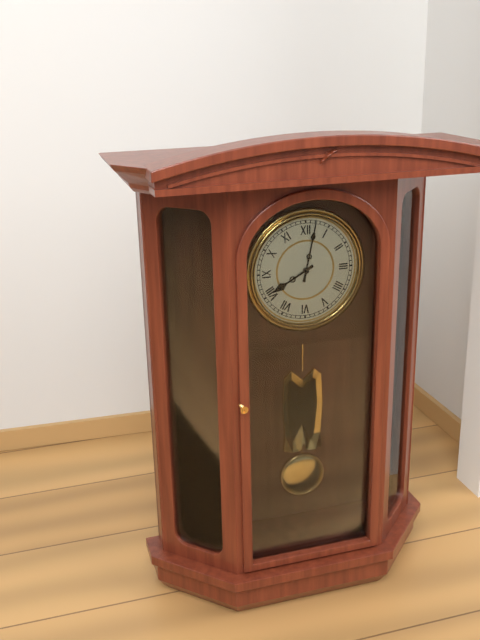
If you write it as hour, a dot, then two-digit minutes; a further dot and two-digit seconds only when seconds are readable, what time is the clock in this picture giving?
8.02
